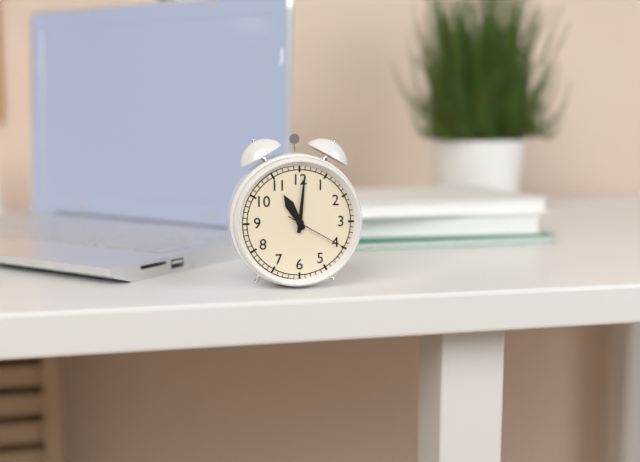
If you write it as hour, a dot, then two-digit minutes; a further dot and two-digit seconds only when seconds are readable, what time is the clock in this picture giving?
11.01.20
